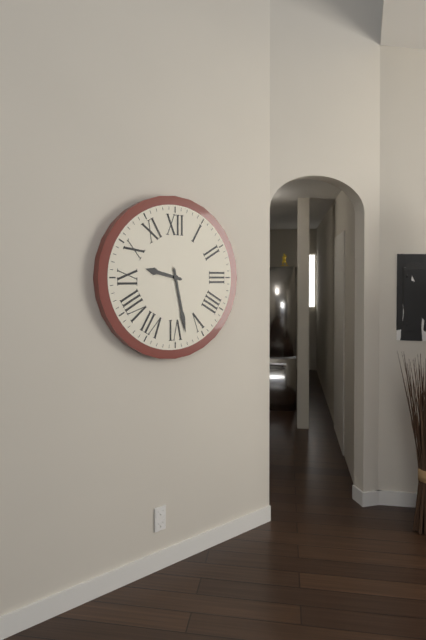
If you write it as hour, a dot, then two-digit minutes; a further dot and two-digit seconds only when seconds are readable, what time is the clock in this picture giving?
9.28
